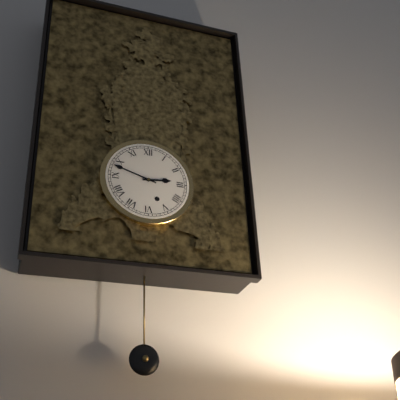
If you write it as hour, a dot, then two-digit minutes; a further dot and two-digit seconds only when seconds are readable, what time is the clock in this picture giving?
2.48
